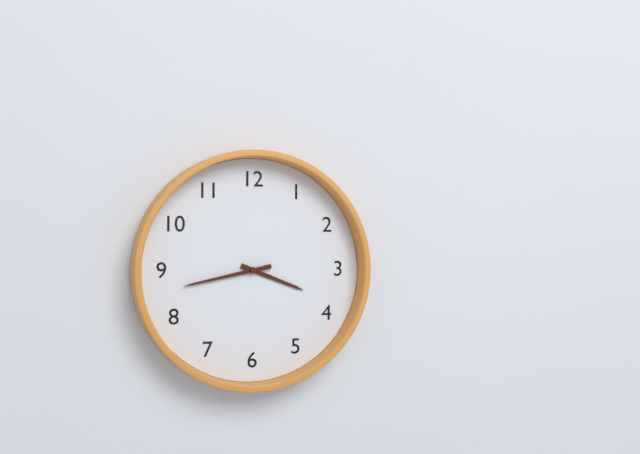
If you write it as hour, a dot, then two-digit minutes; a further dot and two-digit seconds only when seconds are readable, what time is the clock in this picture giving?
3.43
